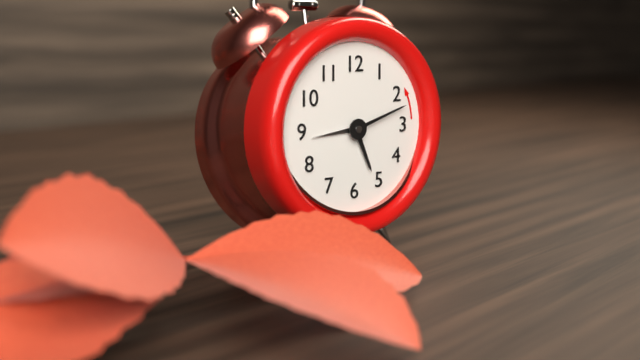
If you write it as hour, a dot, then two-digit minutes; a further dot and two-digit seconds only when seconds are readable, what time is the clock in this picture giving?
5.12.44
